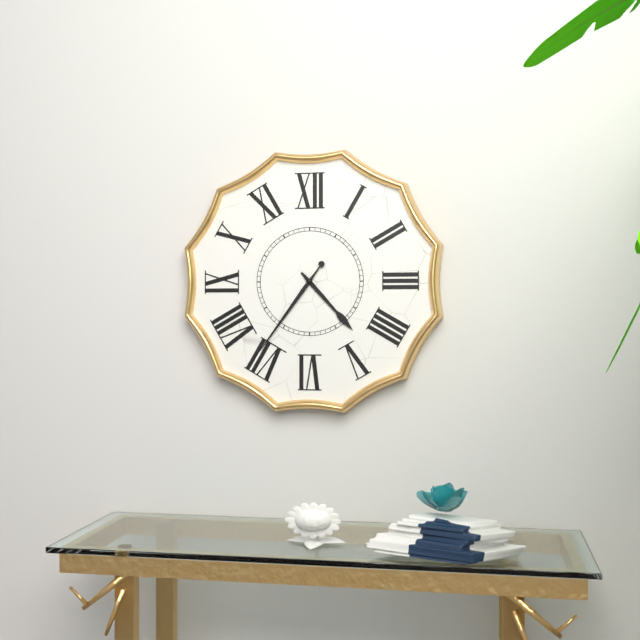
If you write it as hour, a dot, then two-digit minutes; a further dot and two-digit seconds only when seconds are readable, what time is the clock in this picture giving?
4.36
